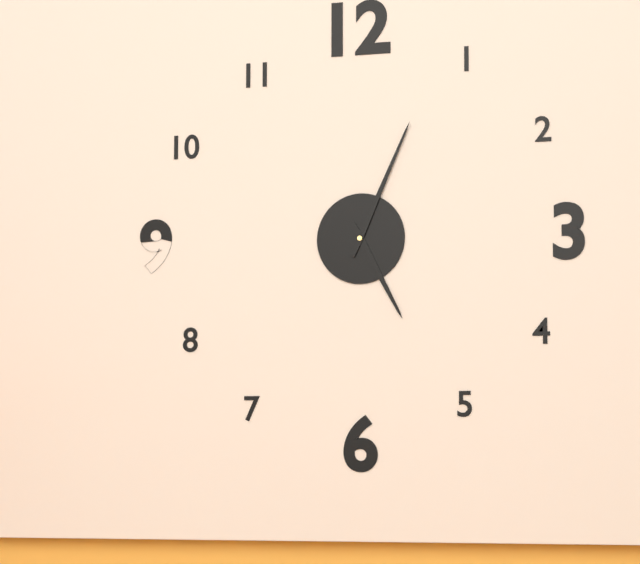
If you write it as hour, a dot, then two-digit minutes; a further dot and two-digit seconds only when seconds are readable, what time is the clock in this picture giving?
5.04
